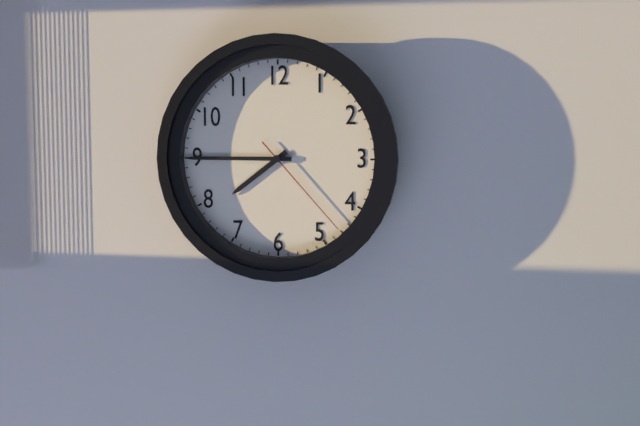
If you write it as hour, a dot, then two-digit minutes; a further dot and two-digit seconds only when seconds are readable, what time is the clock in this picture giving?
7.45.23
